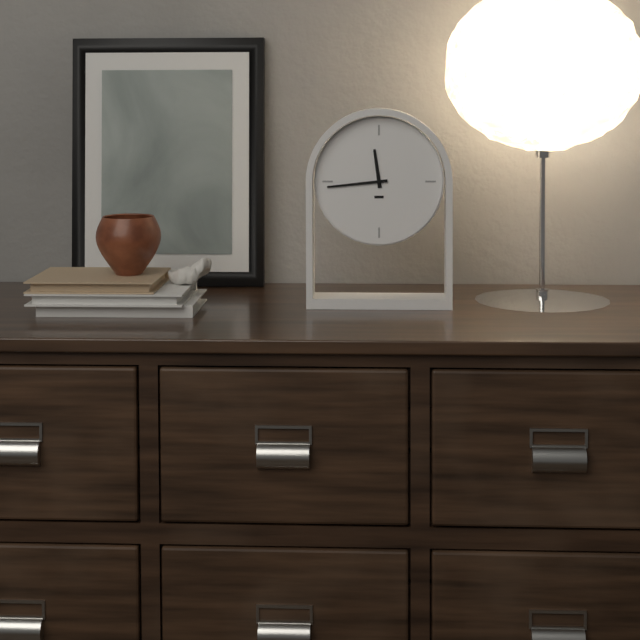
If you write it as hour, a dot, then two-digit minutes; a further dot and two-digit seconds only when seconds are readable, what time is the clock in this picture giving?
11.44
